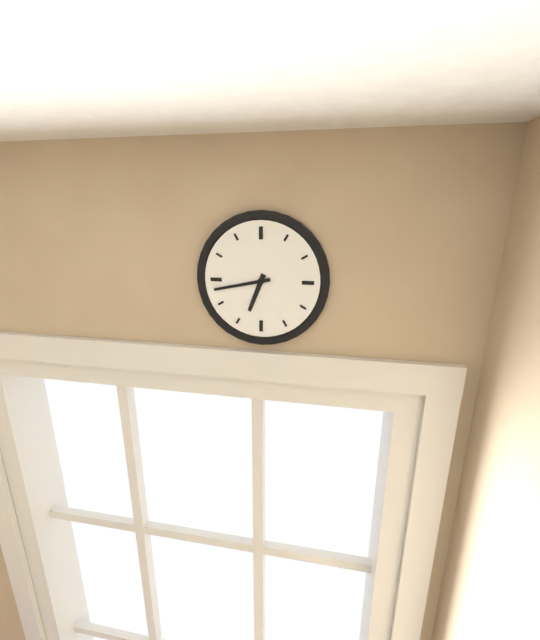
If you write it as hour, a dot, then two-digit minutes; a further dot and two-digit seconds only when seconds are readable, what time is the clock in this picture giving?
6.43
